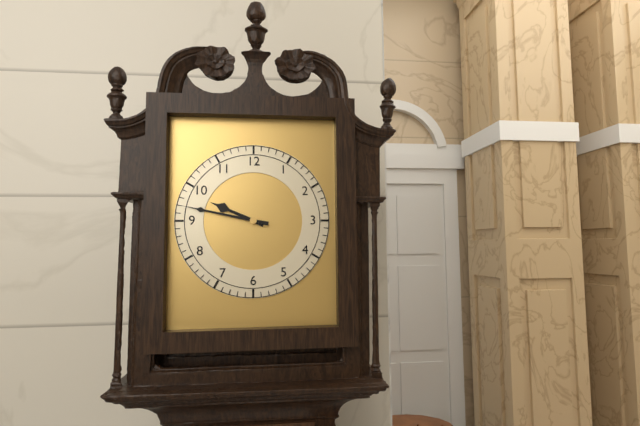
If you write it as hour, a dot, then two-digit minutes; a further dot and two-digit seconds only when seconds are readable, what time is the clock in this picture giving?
9.47
